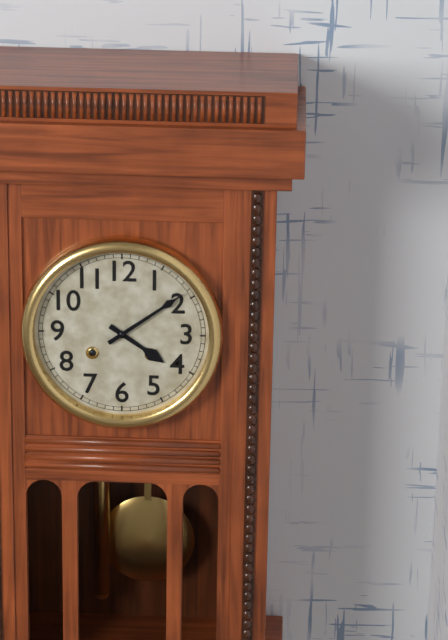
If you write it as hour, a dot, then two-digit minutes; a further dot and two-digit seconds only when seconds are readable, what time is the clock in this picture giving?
4.09
